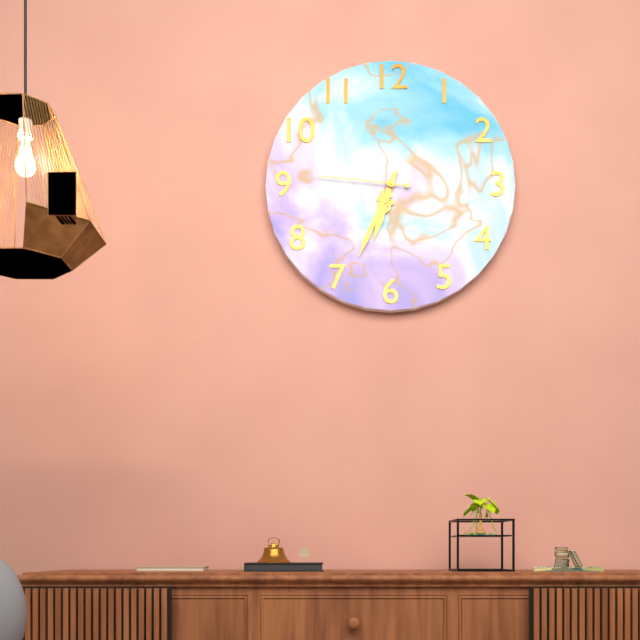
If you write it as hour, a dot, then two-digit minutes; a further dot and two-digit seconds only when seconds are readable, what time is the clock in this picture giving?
6.34.46
